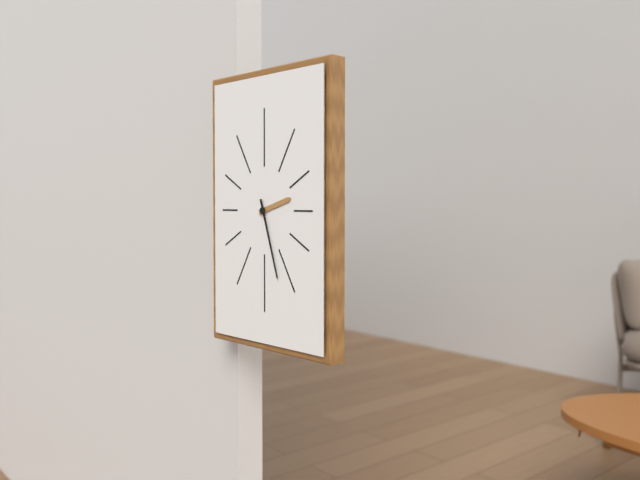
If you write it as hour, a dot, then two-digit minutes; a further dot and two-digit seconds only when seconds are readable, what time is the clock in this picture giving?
2.27
